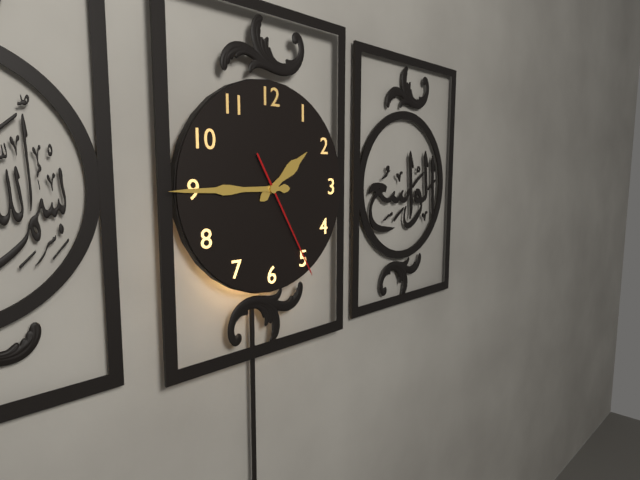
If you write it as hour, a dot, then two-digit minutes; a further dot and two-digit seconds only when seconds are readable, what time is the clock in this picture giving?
1.45.25
